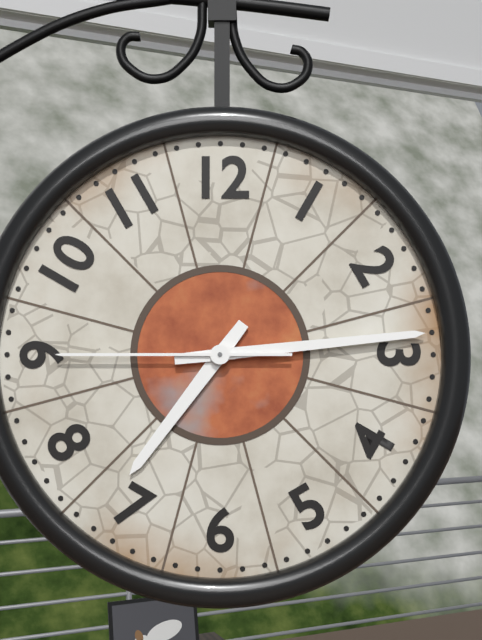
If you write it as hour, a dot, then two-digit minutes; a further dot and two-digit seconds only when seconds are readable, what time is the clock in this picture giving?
7.14.45
